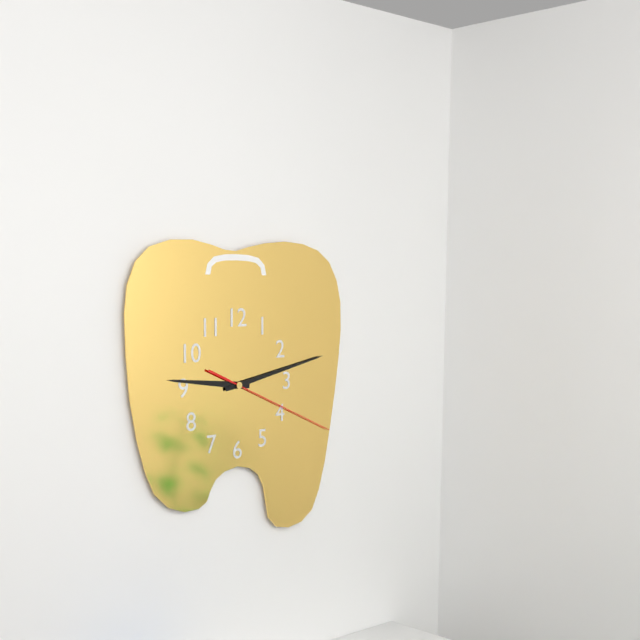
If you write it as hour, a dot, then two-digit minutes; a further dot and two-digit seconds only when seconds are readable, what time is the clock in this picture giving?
9.13.19
